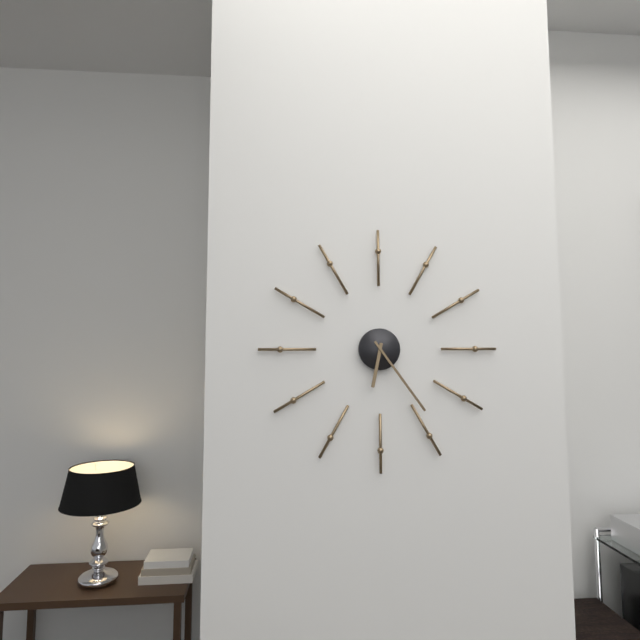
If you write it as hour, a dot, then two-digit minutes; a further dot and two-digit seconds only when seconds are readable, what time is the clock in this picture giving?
6.24
